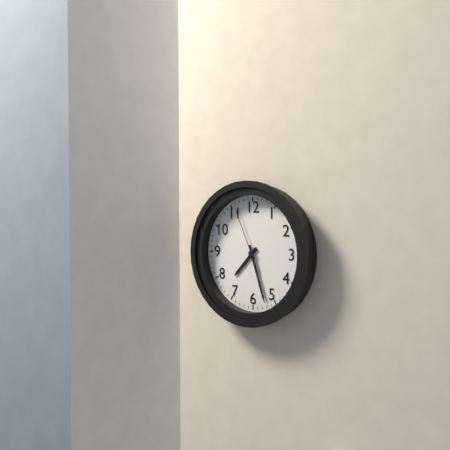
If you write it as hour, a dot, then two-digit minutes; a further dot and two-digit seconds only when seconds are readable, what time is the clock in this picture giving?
7.27.56
